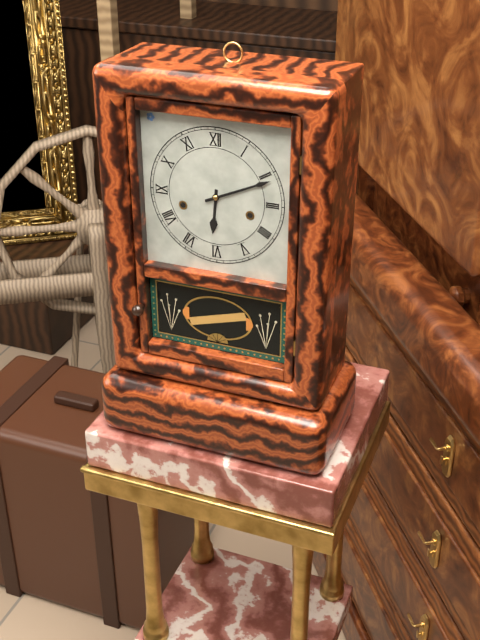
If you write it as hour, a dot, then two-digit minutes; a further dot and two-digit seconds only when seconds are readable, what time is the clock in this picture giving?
6.11
